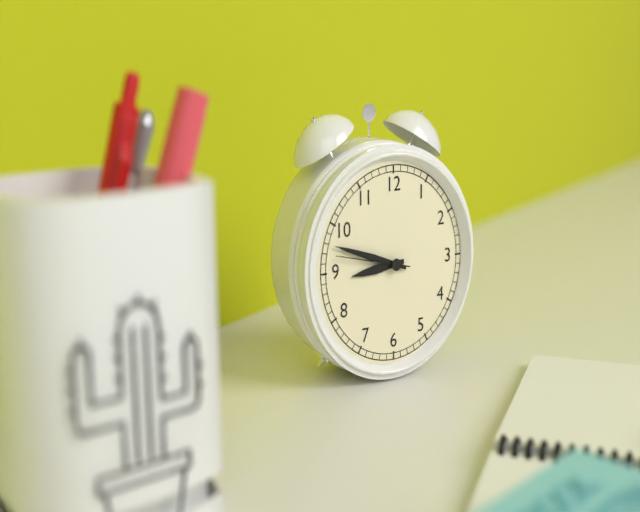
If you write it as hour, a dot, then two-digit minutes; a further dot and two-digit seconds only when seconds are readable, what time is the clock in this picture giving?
8.48.47
